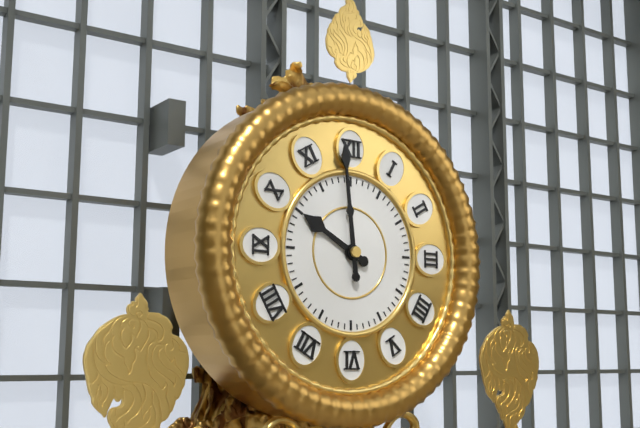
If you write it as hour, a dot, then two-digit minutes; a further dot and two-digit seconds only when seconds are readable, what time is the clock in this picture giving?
9.59
